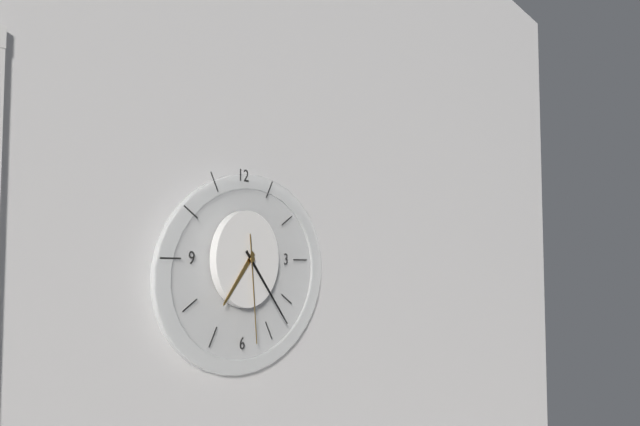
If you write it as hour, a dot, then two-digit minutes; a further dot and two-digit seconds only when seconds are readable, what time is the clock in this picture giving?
7.23.29
